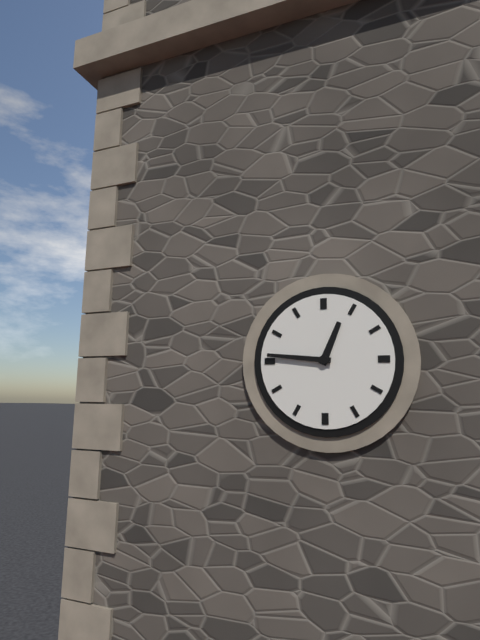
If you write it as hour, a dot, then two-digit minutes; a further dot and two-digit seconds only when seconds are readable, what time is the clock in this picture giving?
12.46
